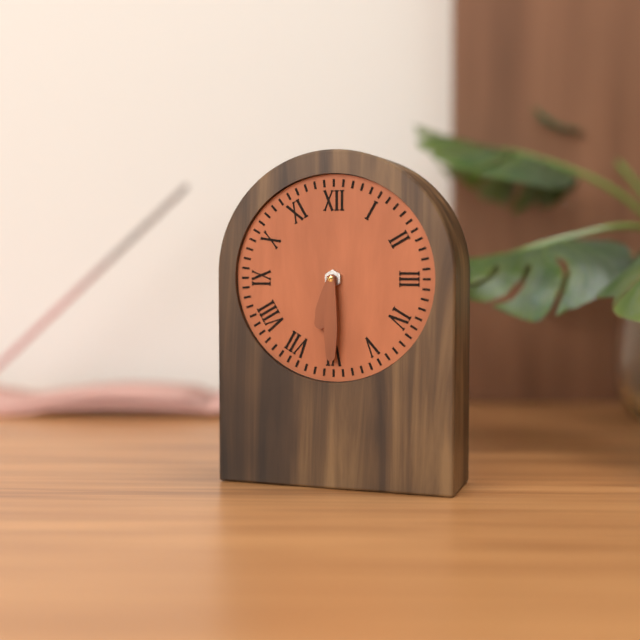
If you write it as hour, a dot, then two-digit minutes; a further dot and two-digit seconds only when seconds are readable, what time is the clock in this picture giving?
6.30
